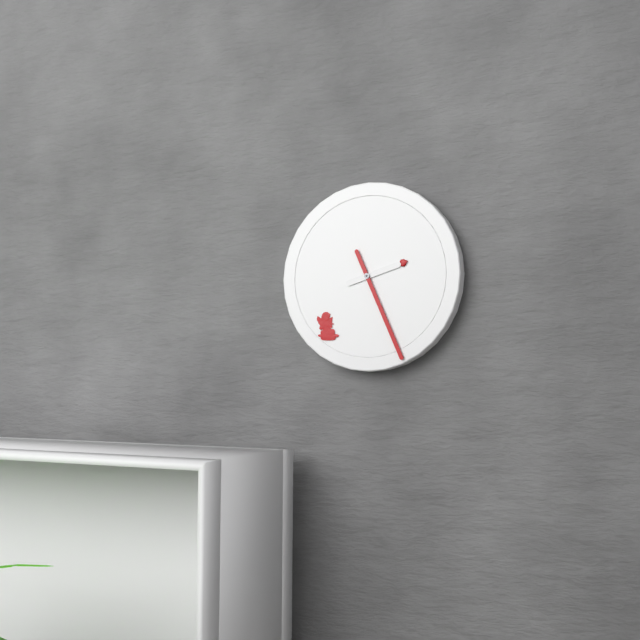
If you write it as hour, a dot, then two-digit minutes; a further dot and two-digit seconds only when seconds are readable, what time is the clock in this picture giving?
2.26
